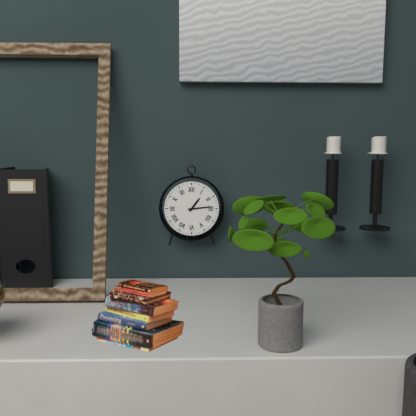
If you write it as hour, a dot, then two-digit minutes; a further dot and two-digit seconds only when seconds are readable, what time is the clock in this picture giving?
1.14
